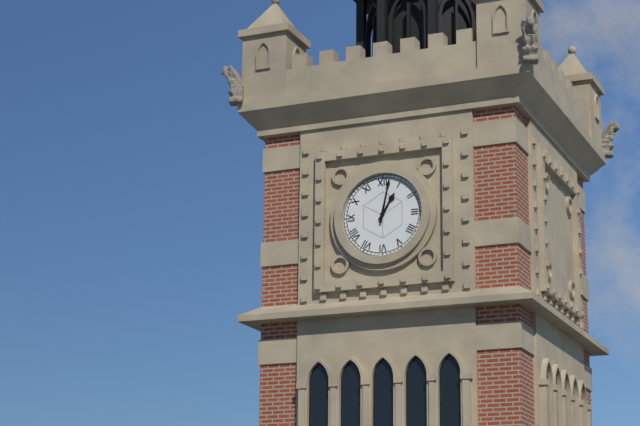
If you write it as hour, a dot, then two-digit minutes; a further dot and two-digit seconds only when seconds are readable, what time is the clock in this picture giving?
1.02
